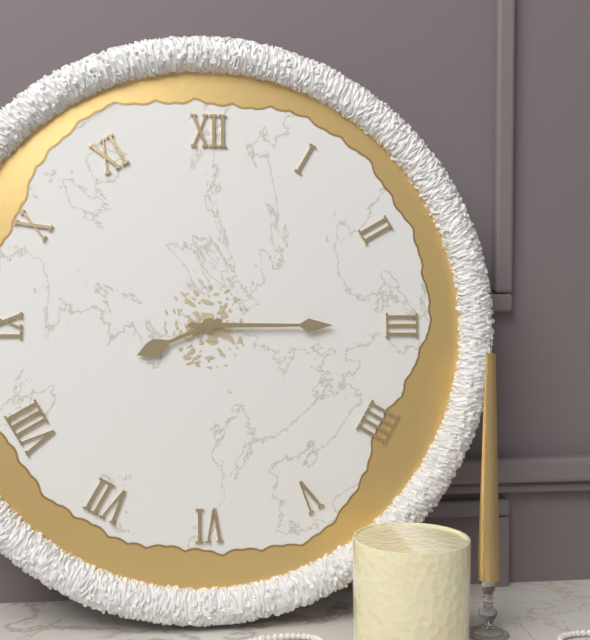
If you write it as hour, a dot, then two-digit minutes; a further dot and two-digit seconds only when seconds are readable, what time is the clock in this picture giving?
8.15
